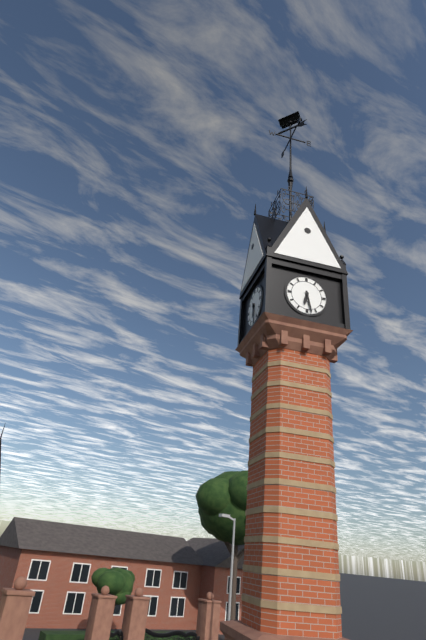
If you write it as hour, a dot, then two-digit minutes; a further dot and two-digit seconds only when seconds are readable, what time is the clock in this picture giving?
6.28
